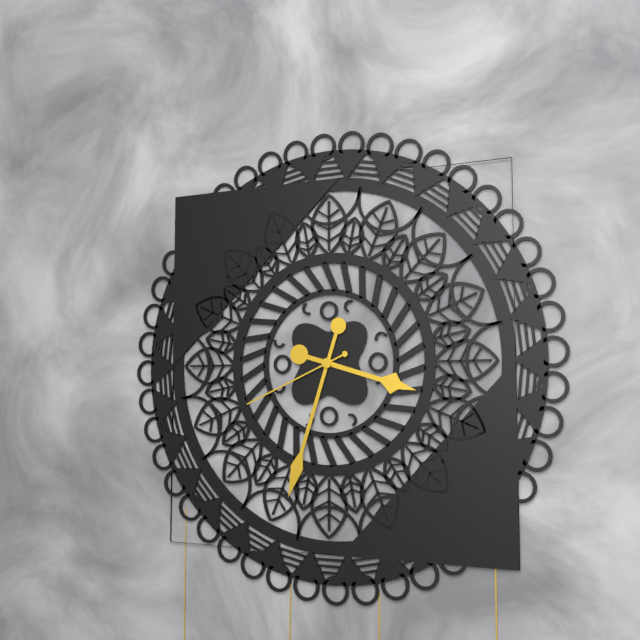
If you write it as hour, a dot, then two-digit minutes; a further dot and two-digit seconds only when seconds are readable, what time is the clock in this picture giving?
3.33.41
